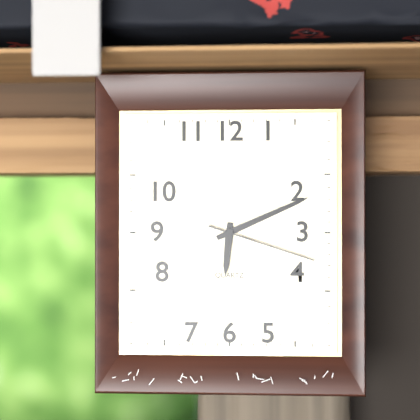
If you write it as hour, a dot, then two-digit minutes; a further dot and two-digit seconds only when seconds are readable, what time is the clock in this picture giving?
6.11.18
